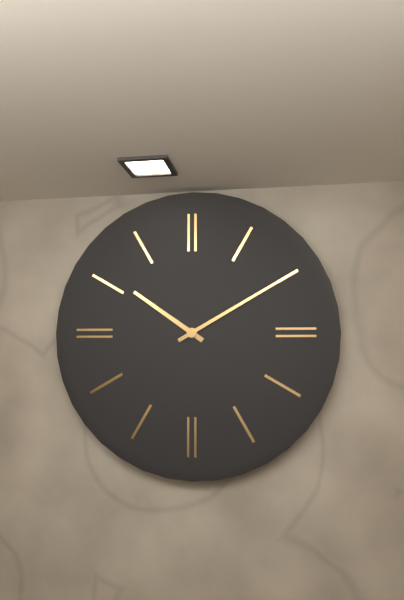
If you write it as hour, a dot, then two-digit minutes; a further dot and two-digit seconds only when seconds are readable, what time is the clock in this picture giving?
10.10
